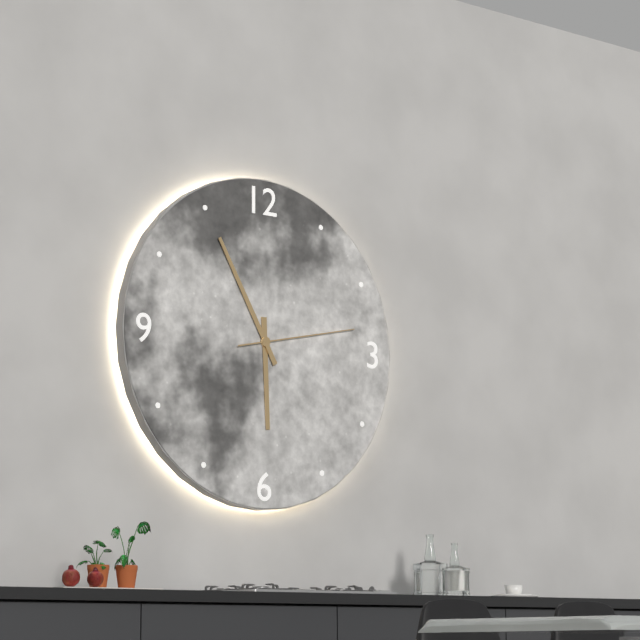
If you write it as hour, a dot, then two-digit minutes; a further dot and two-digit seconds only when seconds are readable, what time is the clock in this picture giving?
5.55.13
